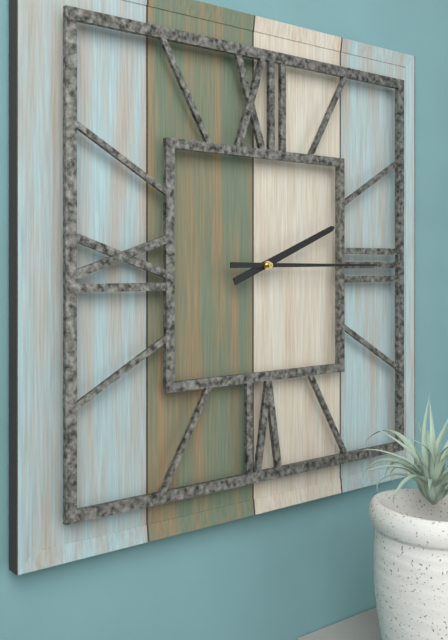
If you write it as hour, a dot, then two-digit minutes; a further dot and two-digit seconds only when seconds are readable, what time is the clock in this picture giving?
2.15
